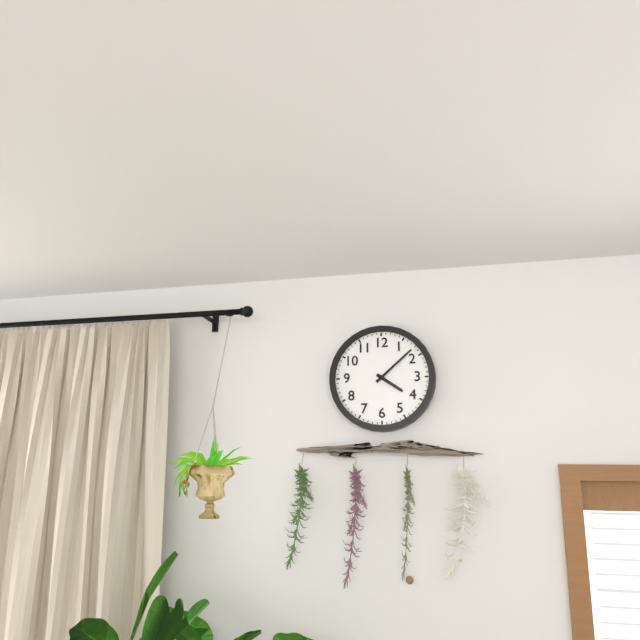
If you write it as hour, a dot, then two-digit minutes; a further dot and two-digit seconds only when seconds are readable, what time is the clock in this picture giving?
4.08
